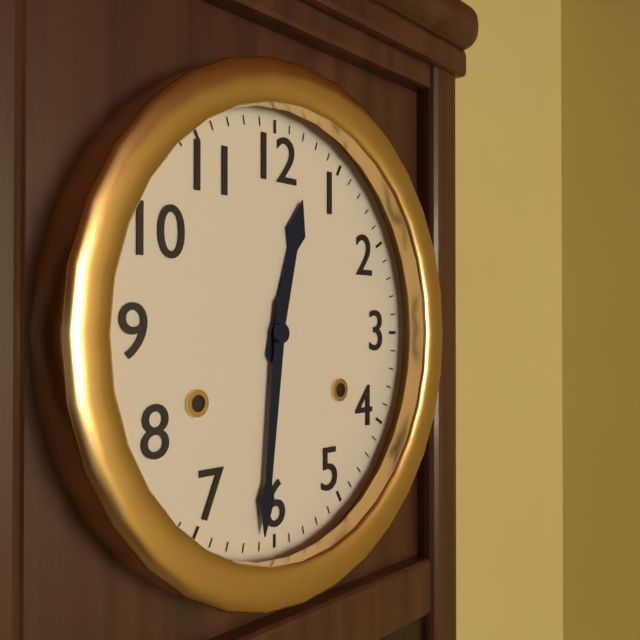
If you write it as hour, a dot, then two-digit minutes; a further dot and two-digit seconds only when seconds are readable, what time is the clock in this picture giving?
12.31
